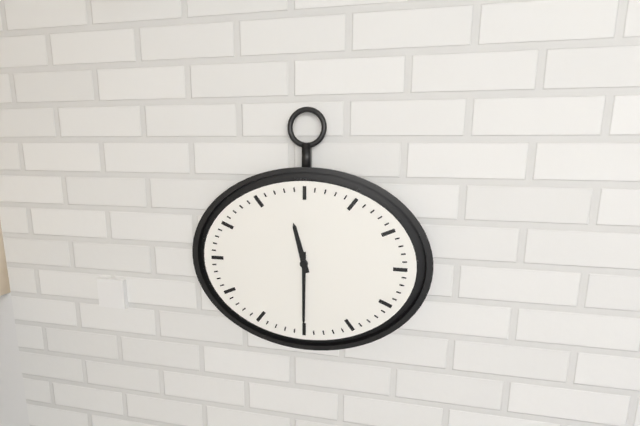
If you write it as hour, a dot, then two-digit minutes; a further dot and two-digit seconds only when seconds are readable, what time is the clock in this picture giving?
11.30
